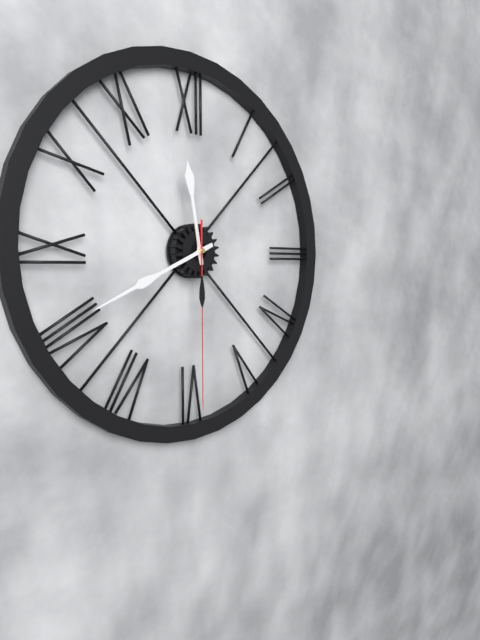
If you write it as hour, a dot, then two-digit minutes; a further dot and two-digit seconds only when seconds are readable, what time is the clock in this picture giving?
11.41.30
